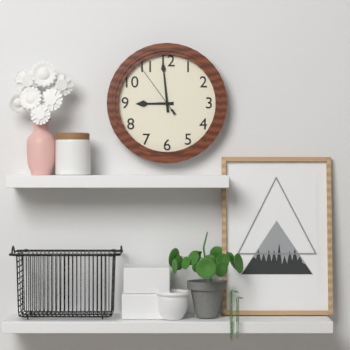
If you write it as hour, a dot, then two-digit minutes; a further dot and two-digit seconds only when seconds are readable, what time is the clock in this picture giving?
8.59.54
